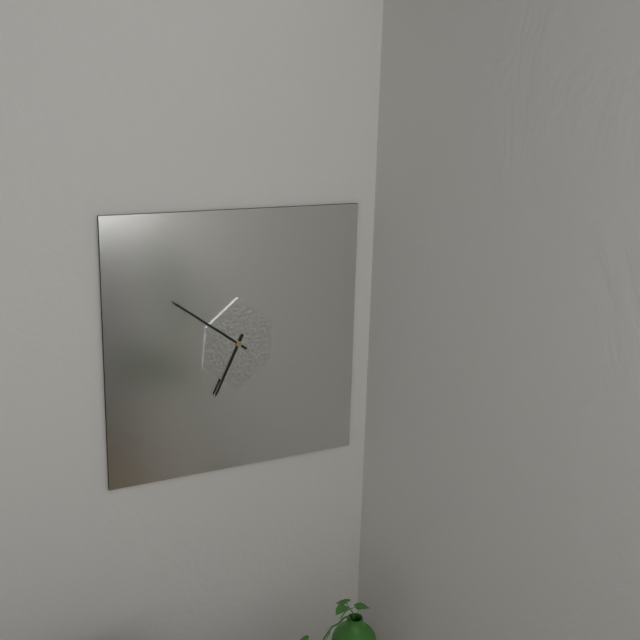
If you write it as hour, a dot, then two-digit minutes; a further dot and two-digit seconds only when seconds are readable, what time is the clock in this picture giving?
6.51
